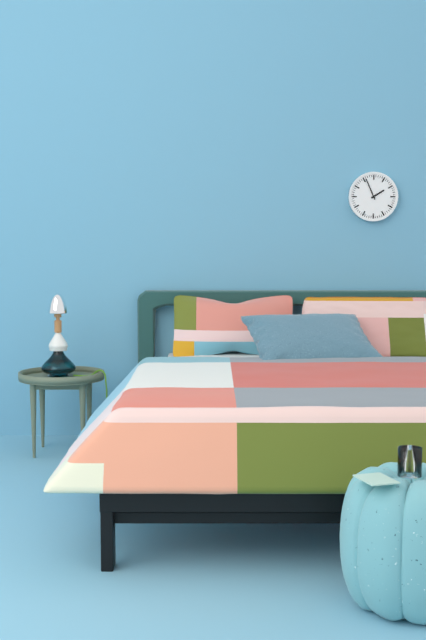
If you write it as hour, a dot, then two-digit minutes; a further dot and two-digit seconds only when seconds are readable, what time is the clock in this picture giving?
1.56
